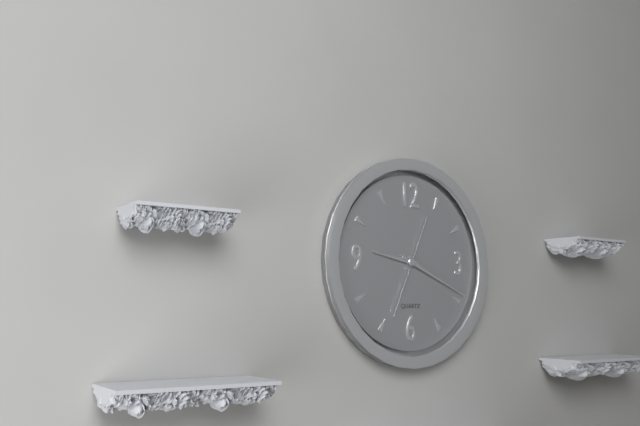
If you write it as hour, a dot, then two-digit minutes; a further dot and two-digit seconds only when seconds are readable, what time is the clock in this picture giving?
9.19.34
